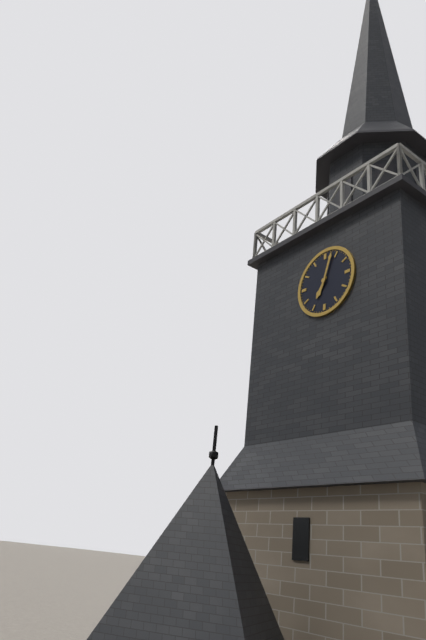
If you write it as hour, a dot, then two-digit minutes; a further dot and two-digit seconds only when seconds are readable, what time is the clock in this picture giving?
7.03
